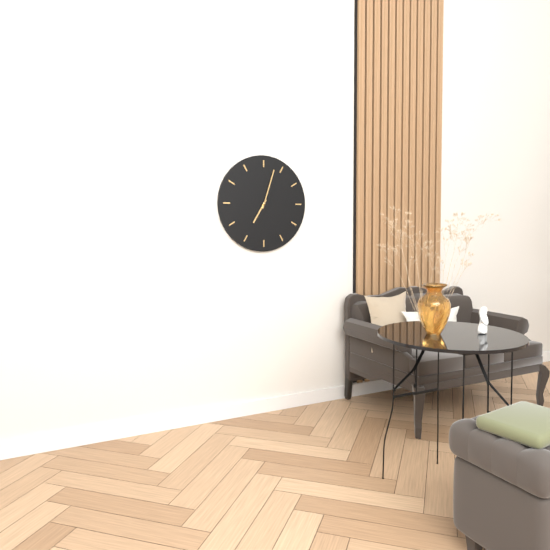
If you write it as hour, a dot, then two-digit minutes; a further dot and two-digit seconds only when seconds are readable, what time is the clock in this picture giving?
7.03
